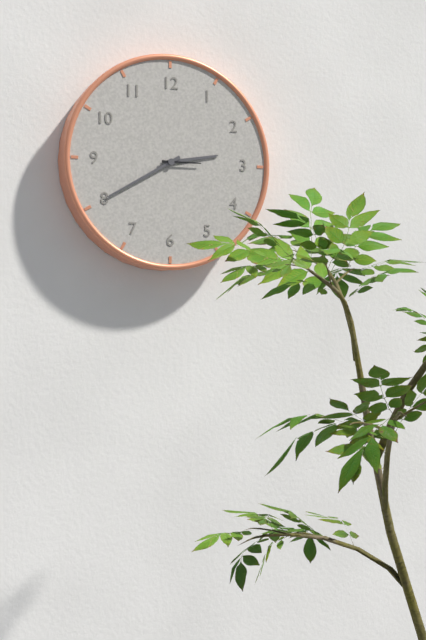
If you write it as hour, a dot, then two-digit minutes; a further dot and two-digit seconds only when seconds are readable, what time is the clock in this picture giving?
2.40
